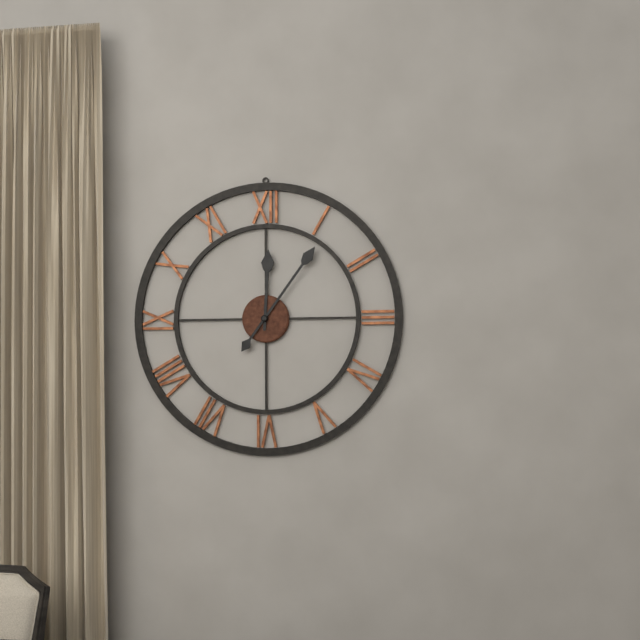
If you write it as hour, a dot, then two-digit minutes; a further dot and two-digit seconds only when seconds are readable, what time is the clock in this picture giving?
12.06
